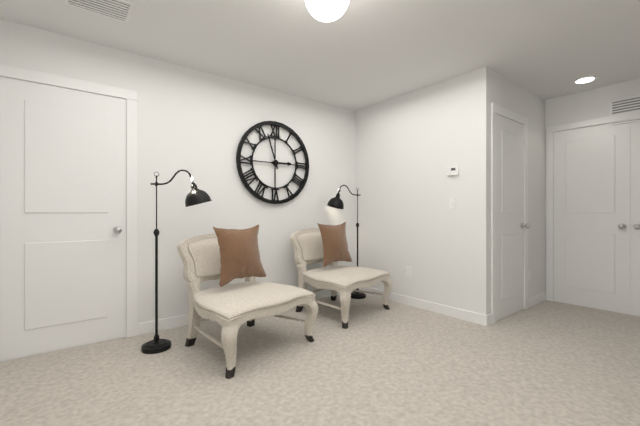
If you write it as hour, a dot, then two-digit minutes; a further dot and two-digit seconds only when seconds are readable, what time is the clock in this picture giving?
2.57
